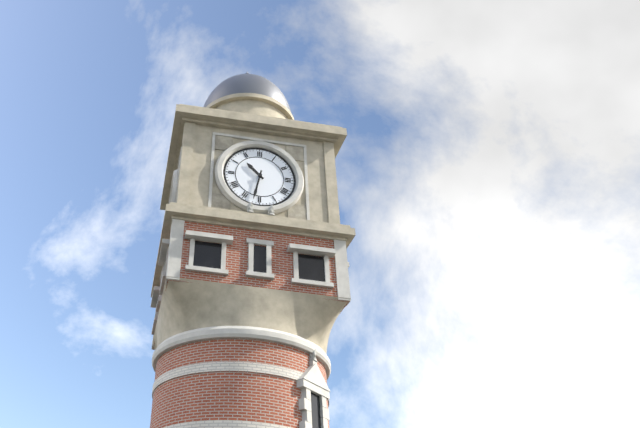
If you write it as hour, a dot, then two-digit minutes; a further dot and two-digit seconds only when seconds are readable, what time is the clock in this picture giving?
10.32
